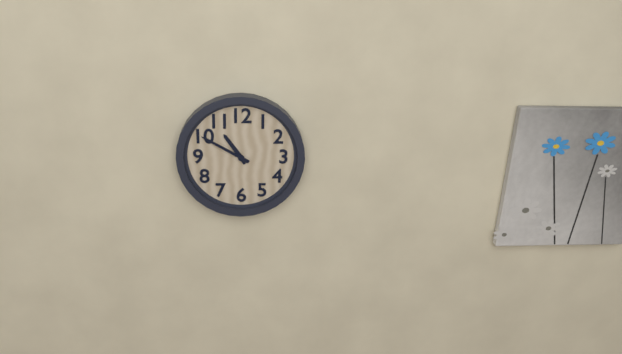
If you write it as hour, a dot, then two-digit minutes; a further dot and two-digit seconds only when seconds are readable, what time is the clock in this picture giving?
10.50
